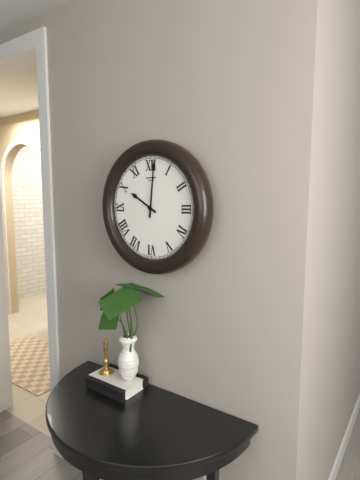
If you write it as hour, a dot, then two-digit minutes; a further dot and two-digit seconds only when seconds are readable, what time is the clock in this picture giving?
10.01
